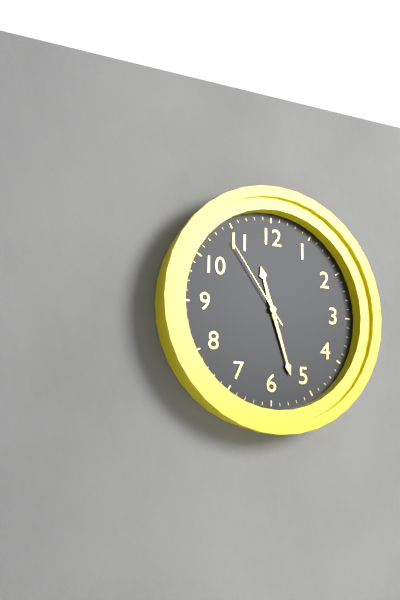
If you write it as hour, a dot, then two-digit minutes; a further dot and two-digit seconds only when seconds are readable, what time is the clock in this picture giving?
11.27.54
